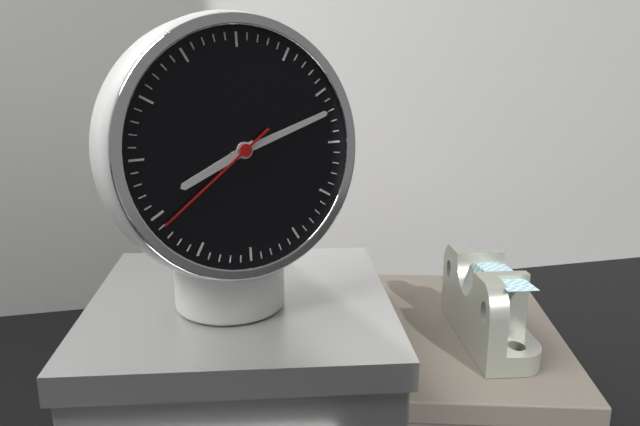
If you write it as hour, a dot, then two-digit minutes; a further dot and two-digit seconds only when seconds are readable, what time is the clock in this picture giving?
8.12.39
